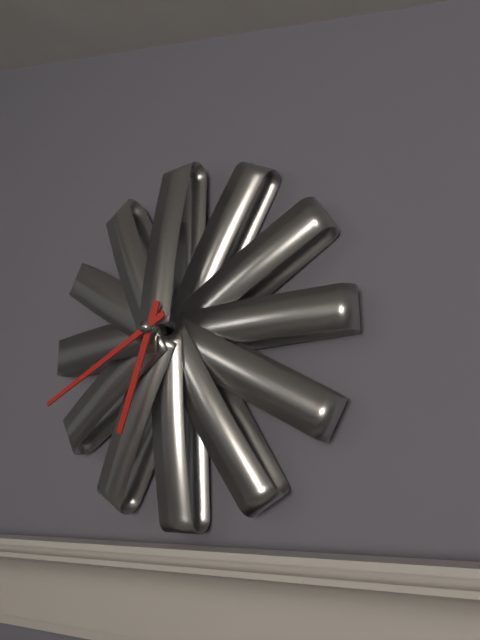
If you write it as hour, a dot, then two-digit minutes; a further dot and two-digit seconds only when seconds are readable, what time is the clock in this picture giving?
6.41
